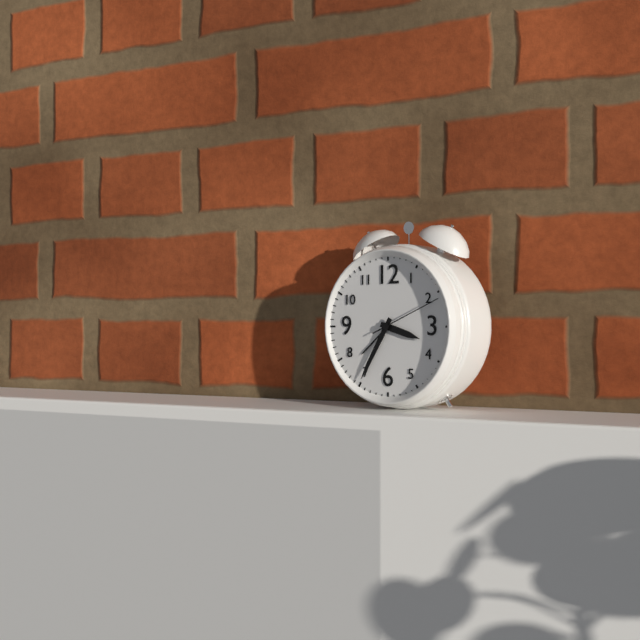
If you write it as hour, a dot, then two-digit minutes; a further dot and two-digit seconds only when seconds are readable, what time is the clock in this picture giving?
3.35.11
